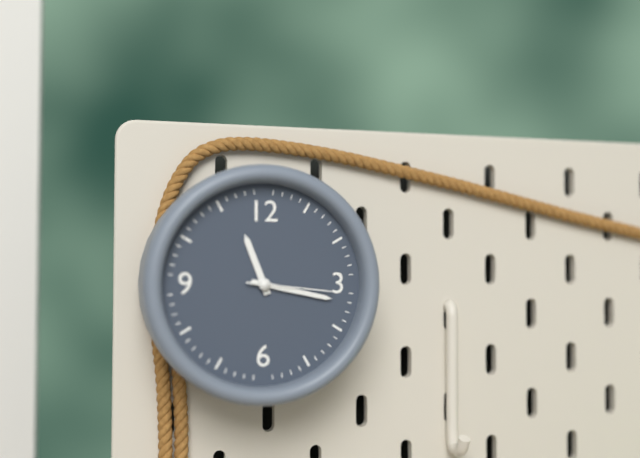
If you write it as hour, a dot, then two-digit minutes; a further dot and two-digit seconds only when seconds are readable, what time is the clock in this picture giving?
11.17.16
